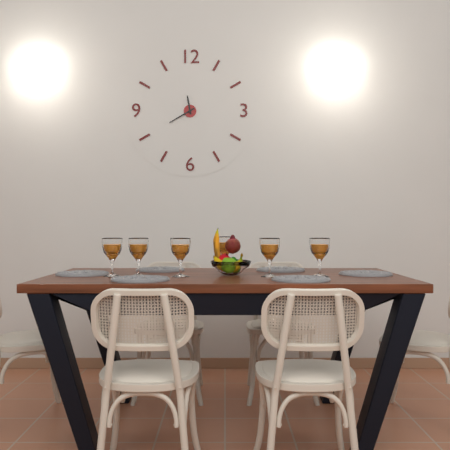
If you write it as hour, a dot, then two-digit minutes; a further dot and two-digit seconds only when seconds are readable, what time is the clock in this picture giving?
11.40
